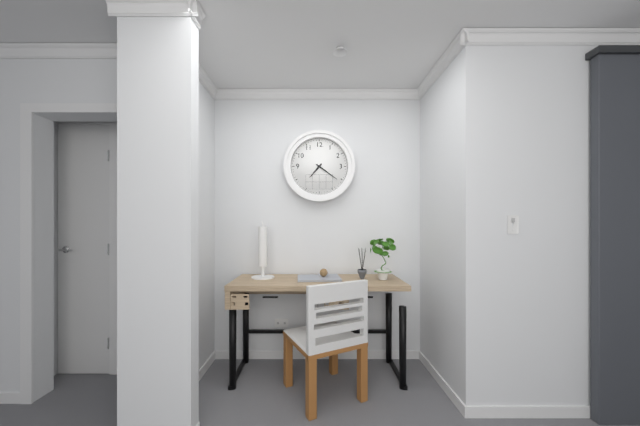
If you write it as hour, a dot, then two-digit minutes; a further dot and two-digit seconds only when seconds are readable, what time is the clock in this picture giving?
7.21
